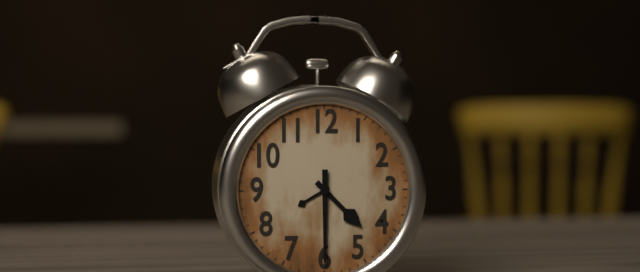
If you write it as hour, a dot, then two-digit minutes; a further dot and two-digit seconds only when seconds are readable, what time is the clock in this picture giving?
4.30
